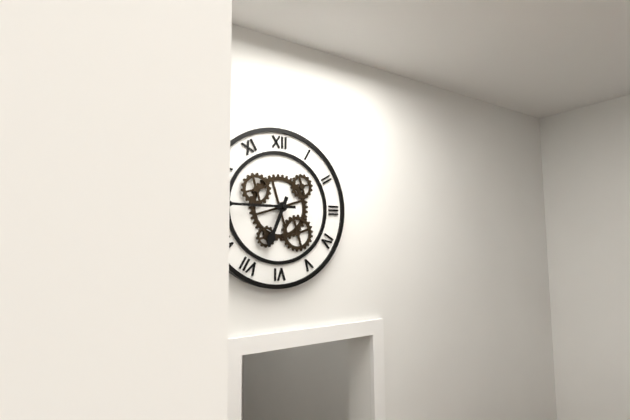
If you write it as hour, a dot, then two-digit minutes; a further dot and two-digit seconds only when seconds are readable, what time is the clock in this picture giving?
6.45
